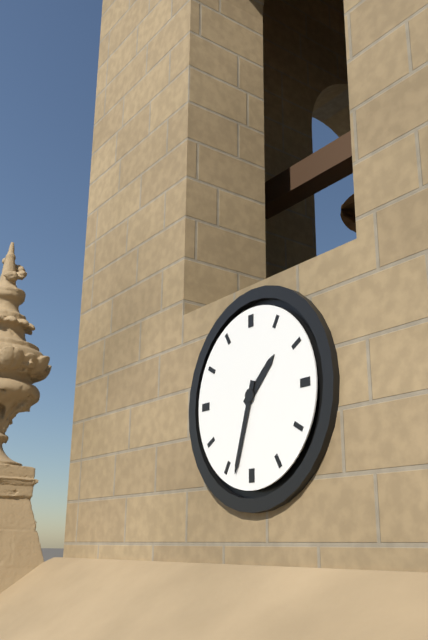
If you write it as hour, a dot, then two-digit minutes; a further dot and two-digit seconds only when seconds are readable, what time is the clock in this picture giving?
1.33
